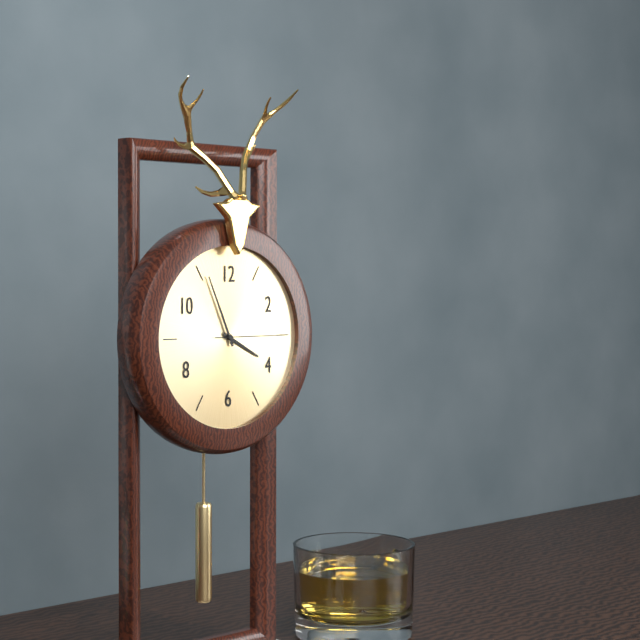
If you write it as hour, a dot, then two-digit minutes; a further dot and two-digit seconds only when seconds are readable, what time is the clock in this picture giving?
3.56.15
